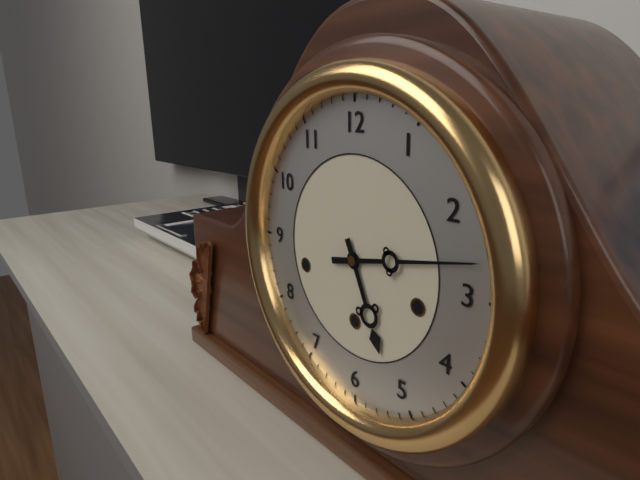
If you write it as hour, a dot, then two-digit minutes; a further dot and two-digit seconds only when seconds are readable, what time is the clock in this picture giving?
5.13
